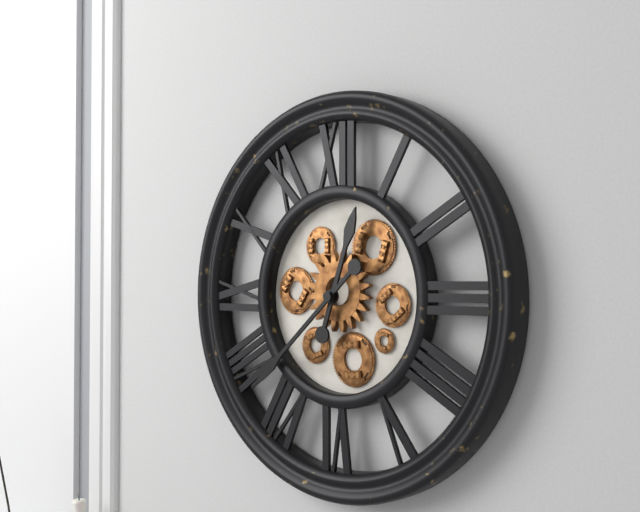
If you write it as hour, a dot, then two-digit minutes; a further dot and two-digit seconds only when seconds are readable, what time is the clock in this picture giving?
12.38
